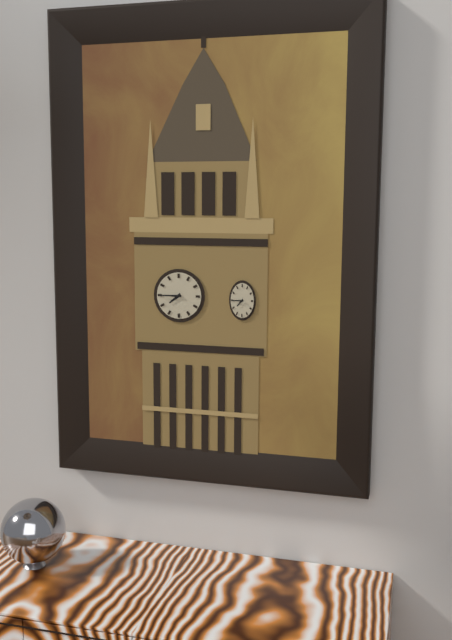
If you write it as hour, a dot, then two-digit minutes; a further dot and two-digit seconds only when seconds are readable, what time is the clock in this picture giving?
7.45
